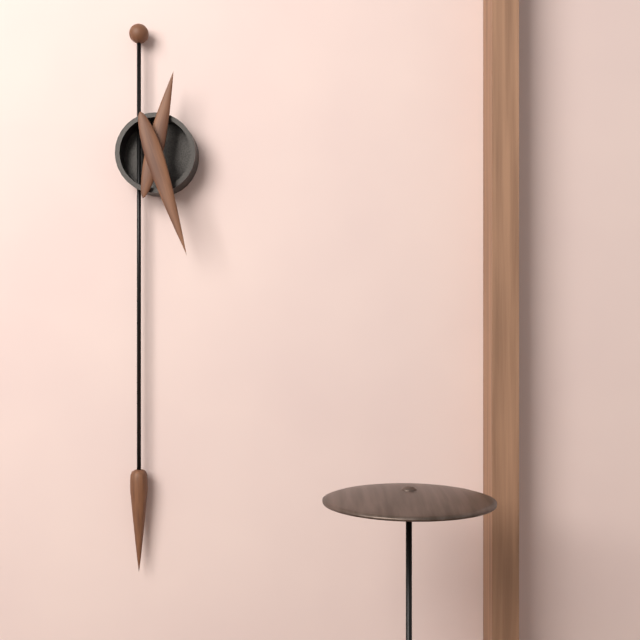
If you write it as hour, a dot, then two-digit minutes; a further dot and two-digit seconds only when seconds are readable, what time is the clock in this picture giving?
12.27
